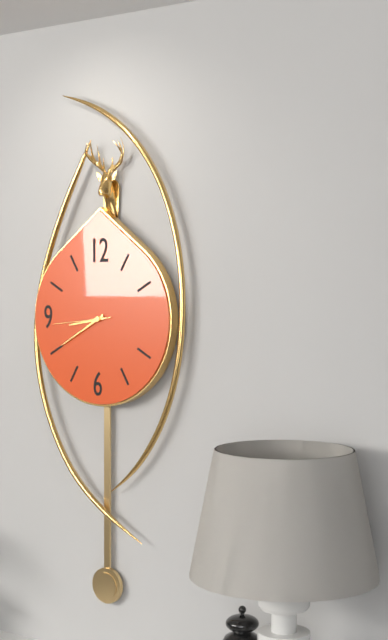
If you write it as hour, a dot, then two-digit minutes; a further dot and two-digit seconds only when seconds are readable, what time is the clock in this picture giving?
8.40.44
